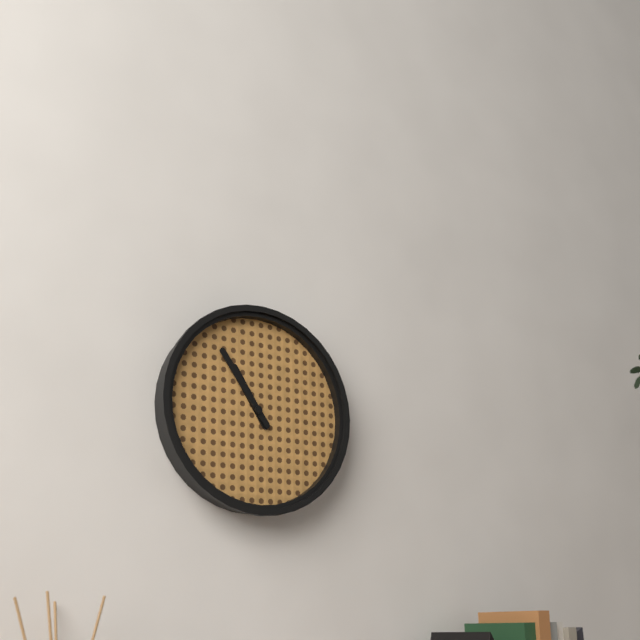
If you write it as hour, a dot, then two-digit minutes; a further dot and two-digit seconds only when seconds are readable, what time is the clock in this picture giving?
10.54
